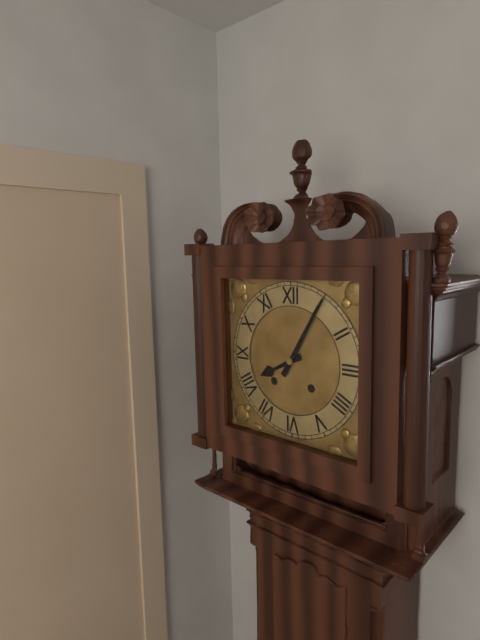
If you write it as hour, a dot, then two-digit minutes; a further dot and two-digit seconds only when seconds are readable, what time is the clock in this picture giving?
8.05
